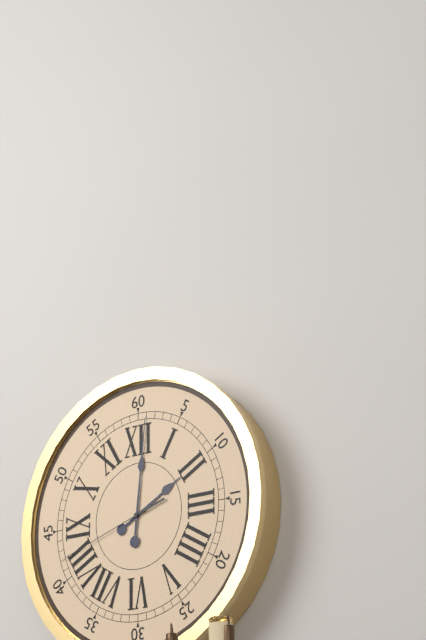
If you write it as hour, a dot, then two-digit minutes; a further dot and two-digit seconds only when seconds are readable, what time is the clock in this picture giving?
2.01.42
